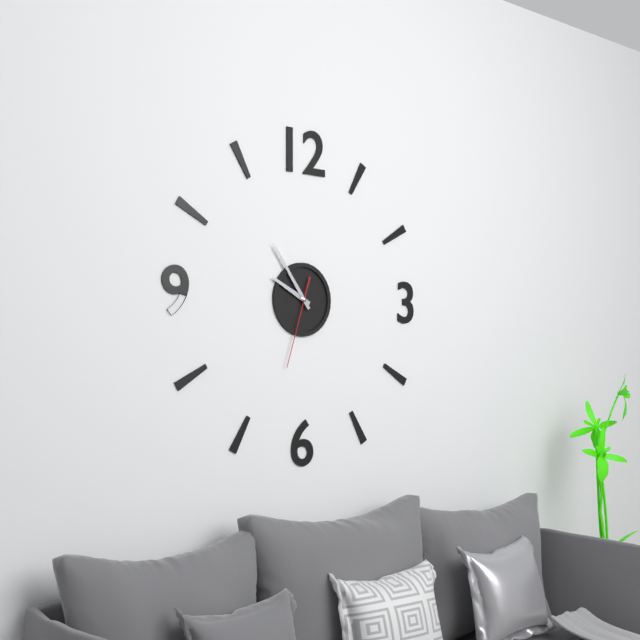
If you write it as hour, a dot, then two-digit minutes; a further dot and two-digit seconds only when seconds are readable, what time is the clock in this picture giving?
9.54.33
